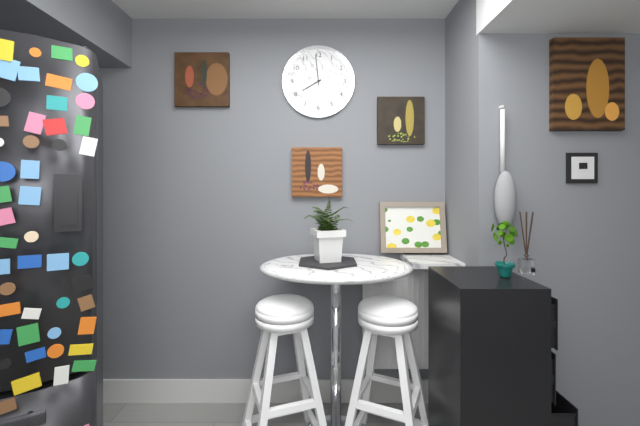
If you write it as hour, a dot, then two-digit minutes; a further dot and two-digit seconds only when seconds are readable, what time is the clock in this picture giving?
7.59
